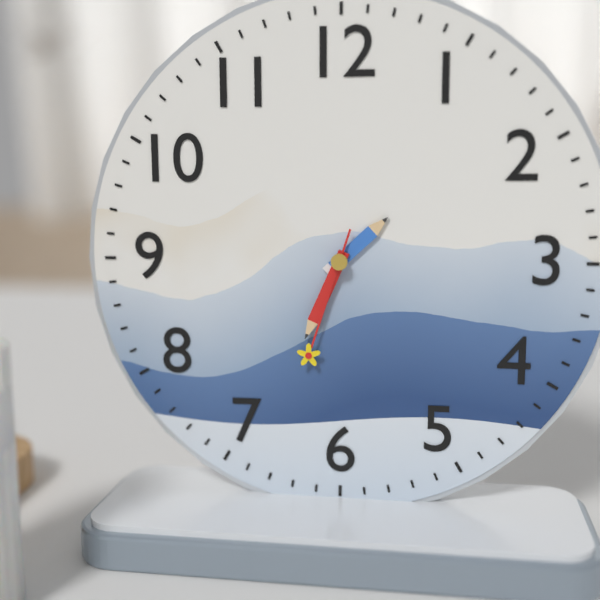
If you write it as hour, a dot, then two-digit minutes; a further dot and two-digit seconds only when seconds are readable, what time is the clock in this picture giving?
1.34.33
